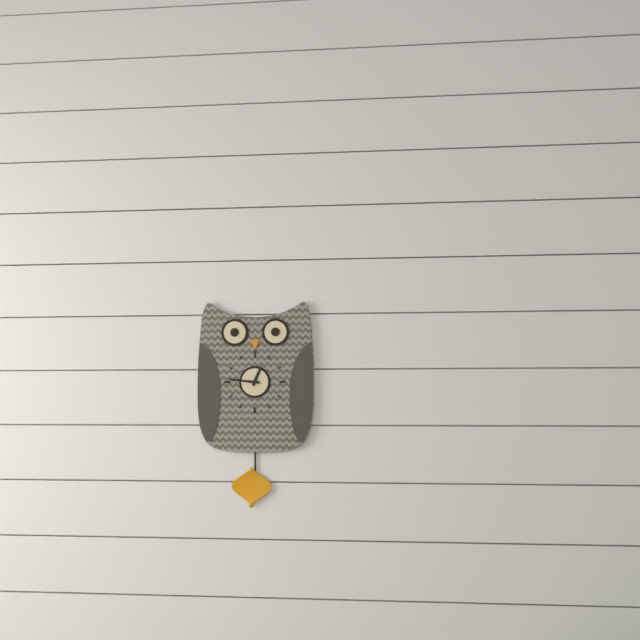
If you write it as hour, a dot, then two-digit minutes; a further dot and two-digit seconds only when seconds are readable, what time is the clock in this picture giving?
12.46
